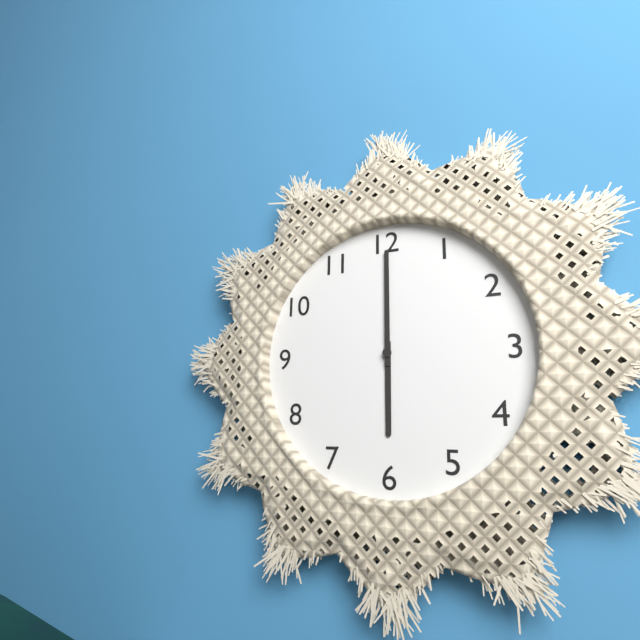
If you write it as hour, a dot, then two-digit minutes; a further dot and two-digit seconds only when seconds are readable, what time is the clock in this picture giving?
6.00
